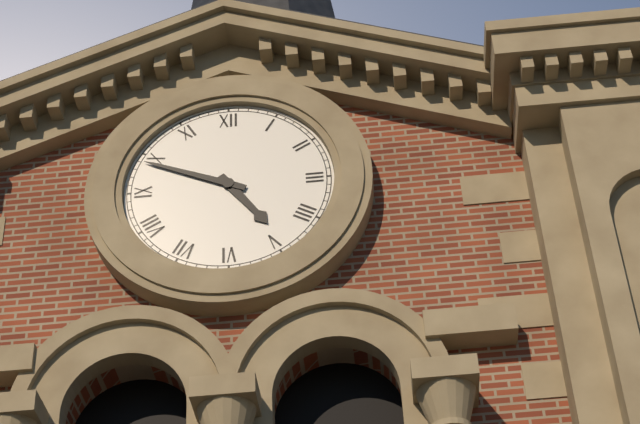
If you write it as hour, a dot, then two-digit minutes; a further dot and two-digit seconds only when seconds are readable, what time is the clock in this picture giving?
4.49
